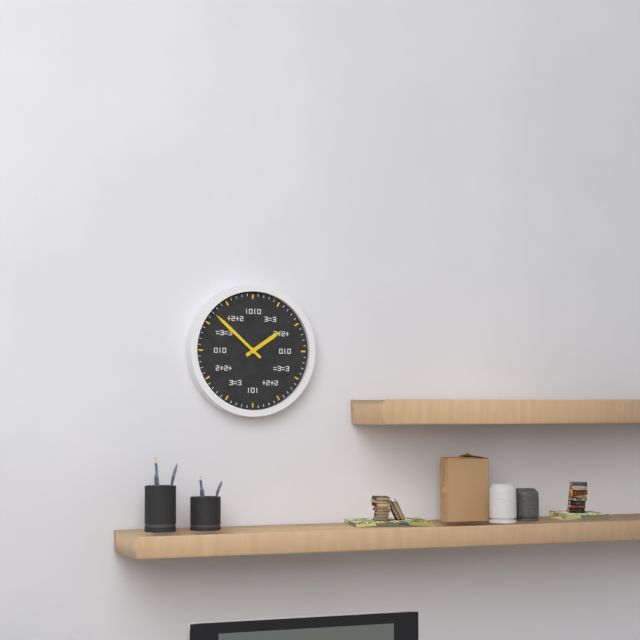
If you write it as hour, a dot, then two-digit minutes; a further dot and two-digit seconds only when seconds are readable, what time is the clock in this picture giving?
1.52
